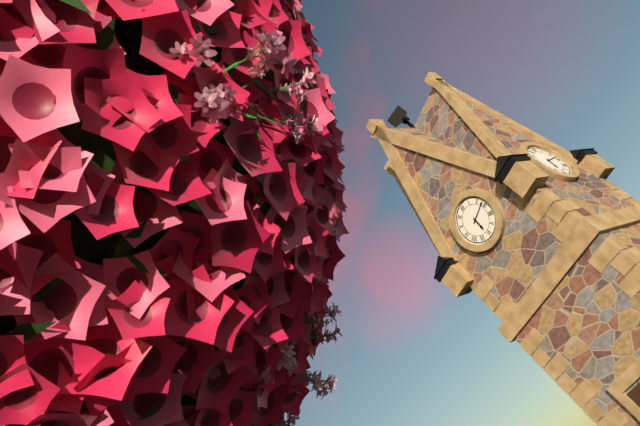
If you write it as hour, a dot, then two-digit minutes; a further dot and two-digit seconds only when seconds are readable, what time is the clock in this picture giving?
6.13
